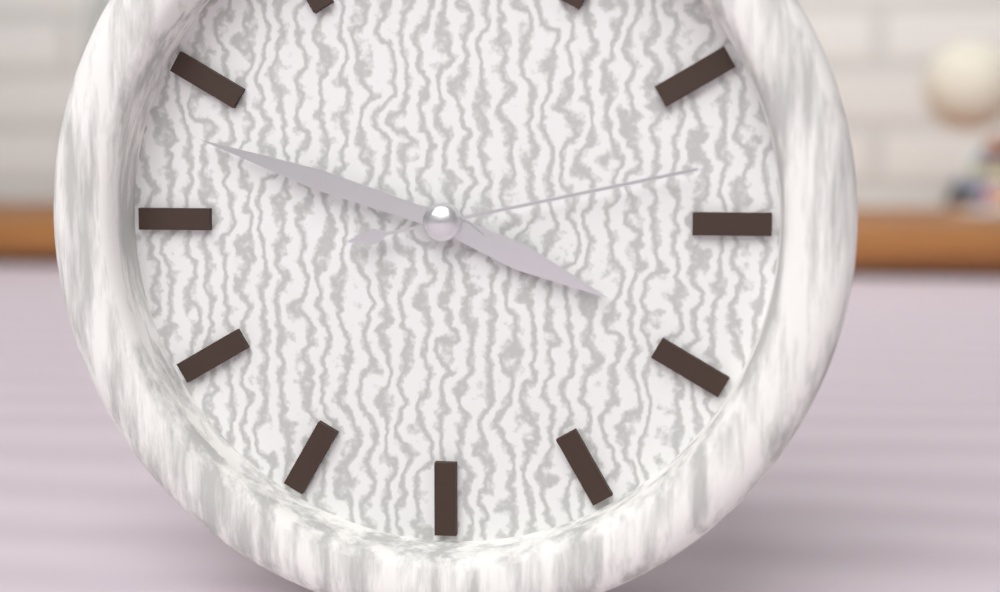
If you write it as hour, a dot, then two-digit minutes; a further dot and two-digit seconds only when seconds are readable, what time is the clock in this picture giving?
3.48.13
